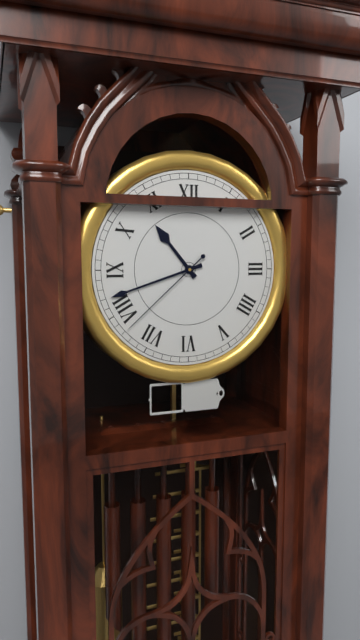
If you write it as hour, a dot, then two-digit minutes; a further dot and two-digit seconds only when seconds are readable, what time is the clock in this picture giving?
10.42.38
